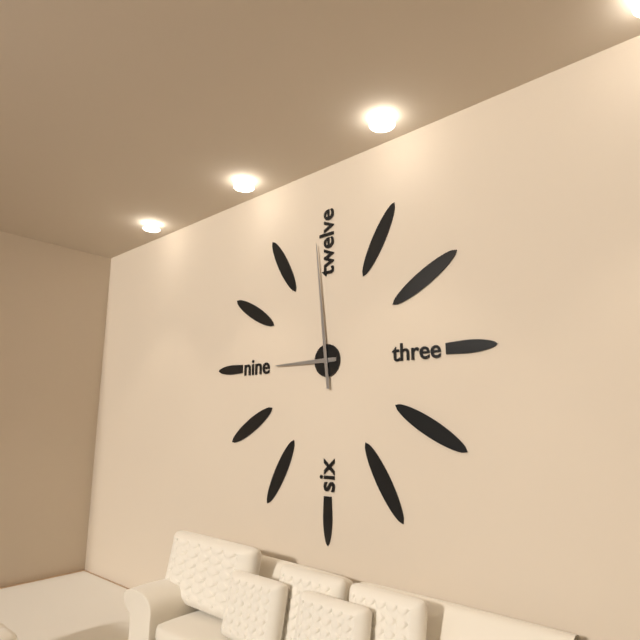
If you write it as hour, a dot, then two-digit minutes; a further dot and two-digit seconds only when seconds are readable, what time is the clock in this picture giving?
8.59
